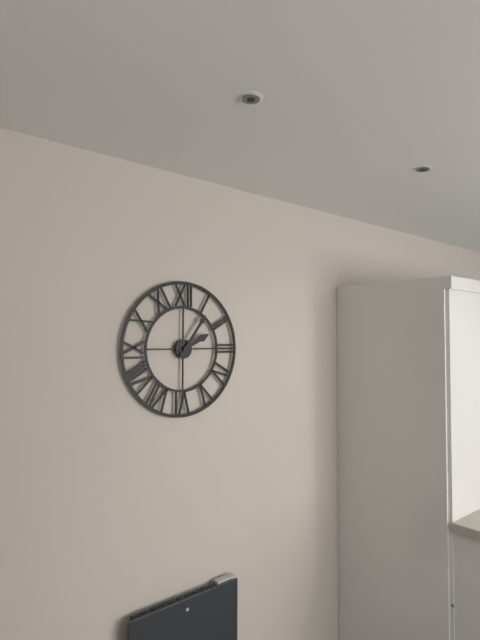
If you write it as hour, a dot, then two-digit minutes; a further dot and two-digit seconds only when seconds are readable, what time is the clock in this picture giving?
2.06
